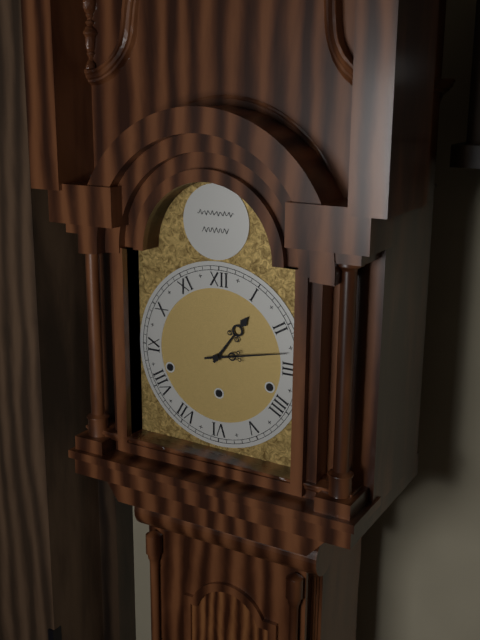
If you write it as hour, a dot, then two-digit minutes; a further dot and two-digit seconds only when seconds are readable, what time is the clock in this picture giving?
1.13
